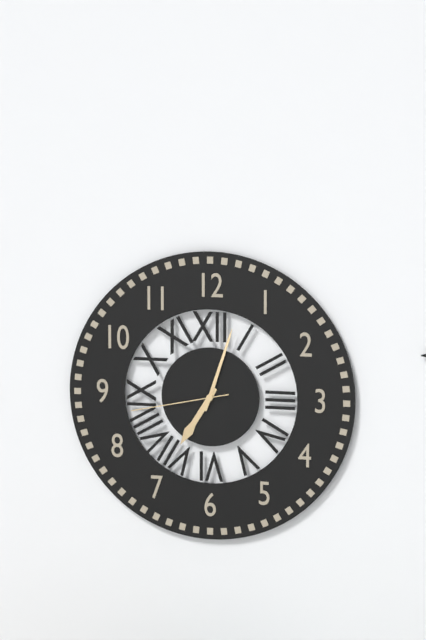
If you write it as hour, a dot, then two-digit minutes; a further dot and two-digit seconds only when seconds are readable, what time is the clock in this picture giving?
7.03.43
